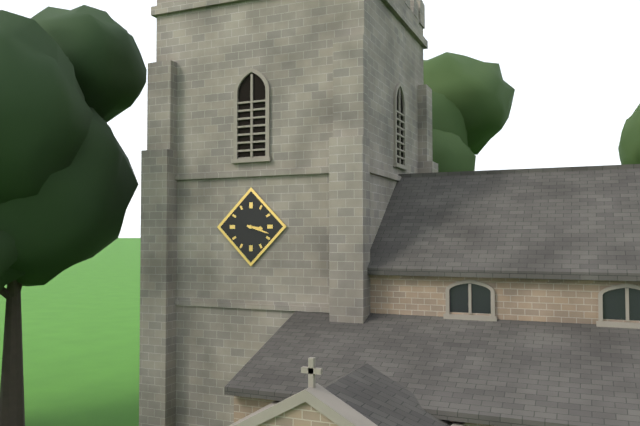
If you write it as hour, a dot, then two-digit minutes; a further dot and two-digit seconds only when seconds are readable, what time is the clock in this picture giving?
3.18
